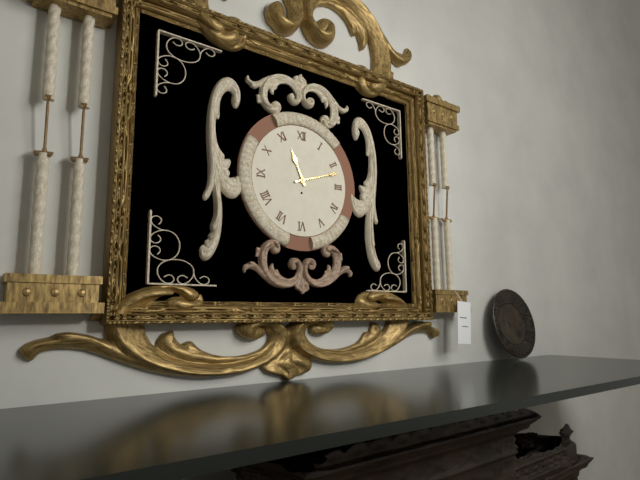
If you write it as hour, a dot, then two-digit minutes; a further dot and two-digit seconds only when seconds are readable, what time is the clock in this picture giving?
11.12
